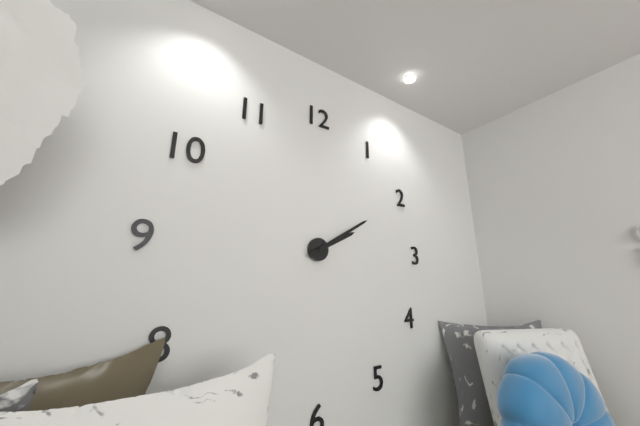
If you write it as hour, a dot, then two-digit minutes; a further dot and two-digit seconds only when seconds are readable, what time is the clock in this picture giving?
2.10
